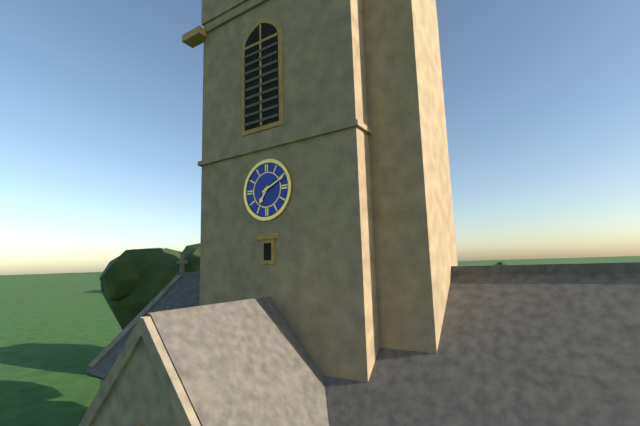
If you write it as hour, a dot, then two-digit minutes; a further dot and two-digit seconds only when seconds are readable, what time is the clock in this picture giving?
7.11
